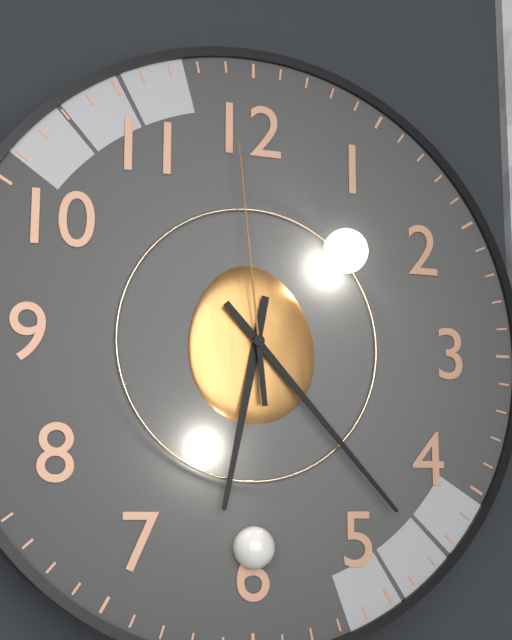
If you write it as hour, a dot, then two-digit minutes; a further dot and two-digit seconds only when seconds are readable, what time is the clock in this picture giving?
6.23.59
